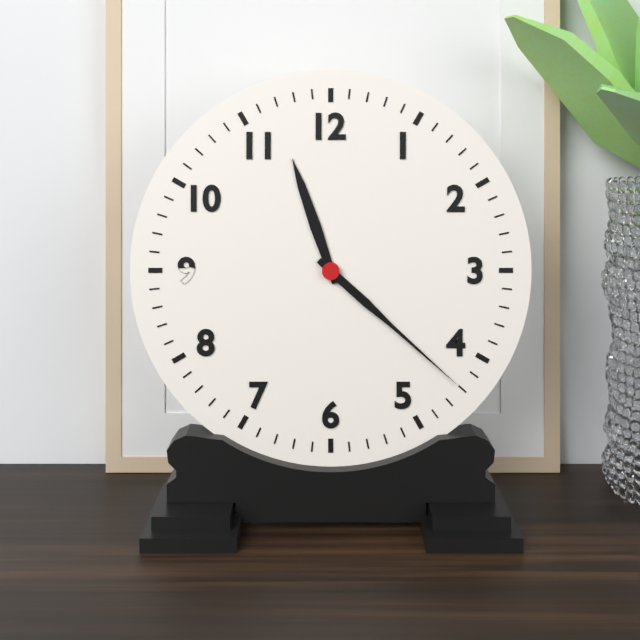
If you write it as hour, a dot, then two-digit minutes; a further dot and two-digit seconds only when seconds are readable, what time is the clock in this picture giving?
11.22
